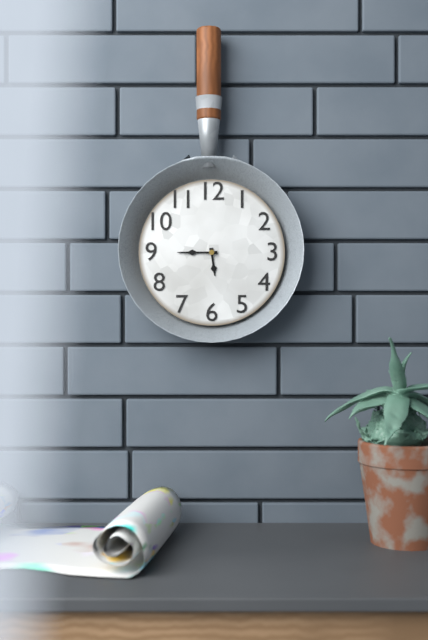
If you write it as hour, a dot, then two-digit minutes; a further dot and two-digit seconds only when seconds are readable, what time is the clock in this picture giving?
5.45
